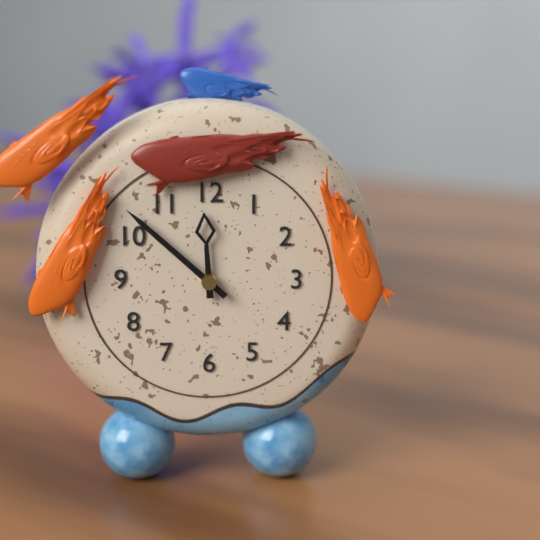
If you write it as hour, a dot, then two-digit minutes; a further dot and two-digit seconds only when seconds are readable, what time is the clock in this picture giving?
11.52
